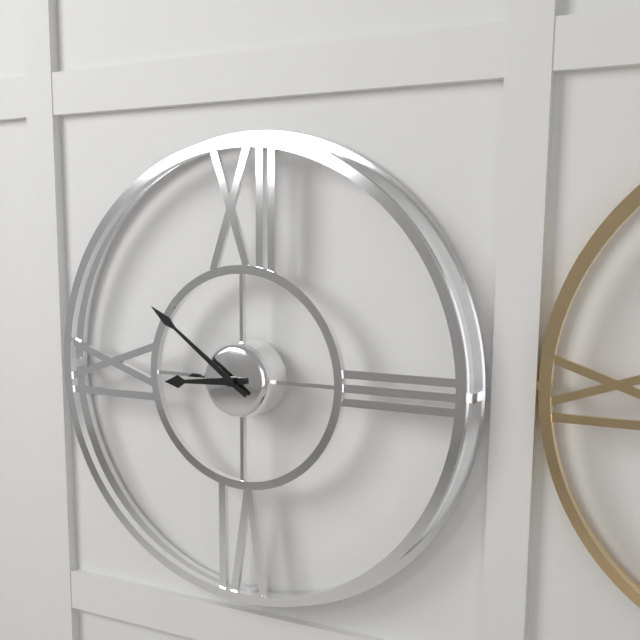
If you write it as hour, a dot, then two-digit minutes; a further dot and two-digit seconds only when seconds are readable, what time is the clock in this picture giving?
8.51
